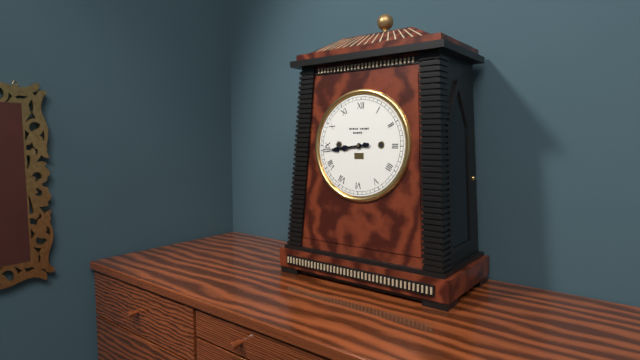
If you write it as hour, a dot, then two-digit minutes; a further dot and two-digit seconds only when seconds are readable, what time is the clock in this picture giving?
8.44
